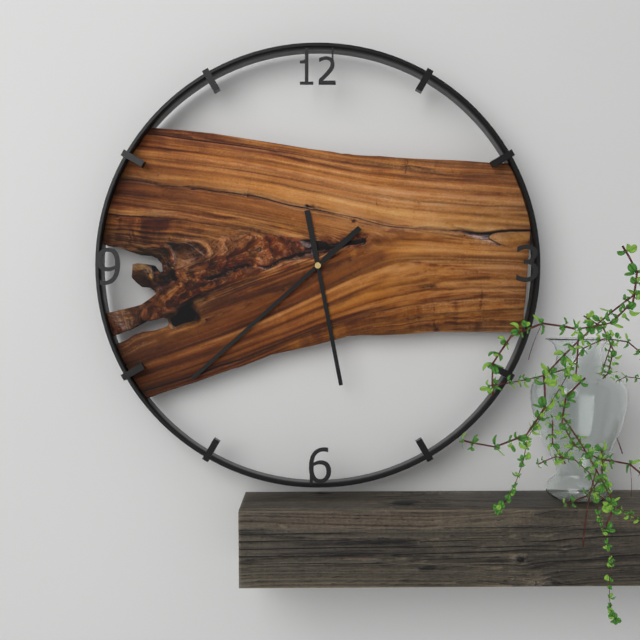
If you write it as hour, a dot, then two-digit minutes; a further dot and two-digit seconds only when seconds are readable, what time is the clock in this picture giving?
5.38
